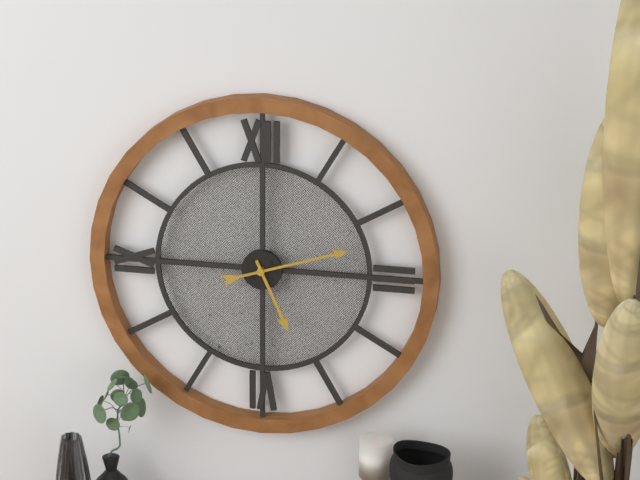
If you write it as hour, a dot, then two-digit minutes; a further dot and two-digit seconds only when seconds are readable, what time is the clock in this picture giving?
5.12
